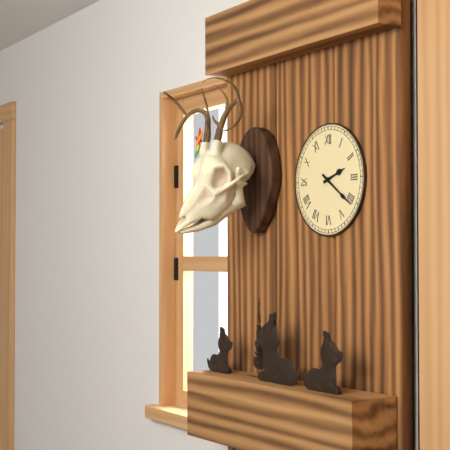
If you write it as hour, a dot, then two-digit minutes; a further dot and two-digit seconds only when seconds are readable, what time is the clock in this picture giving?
2.21
